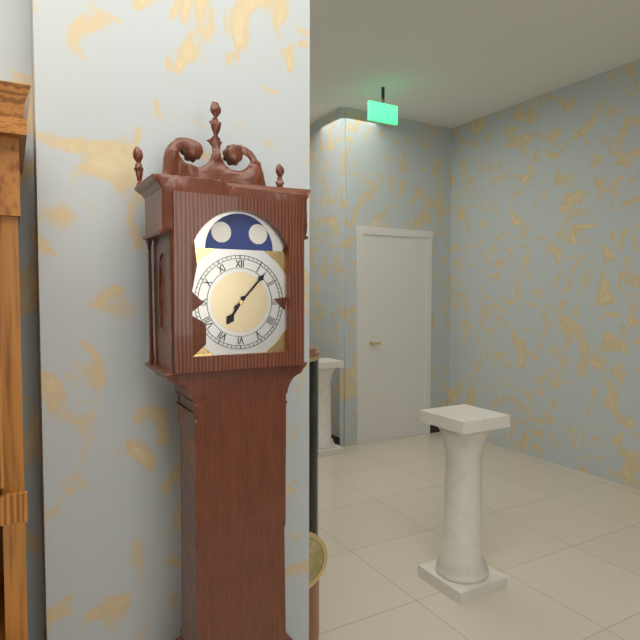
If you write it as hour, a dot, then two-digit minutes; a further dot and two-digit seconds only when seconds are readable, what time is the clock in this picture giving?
7.07
